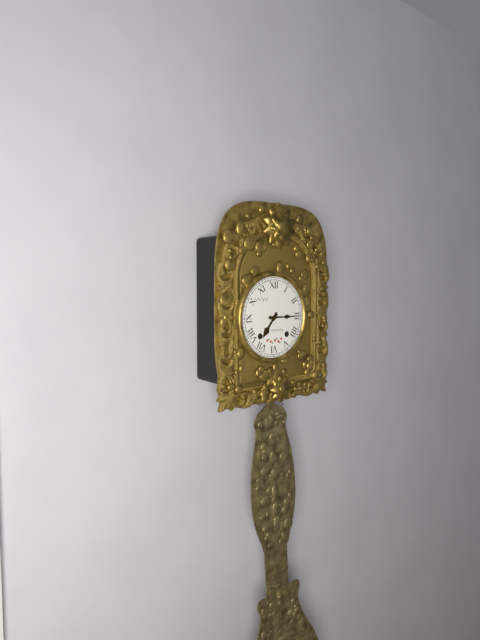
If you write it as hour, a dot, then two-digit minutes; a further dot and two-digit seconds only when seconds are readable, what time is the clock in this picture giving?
7.15
